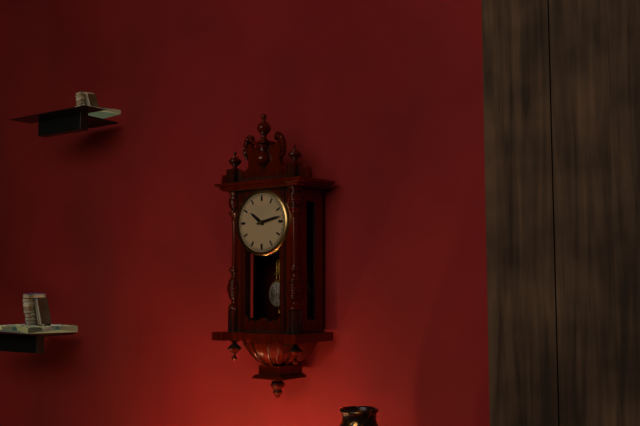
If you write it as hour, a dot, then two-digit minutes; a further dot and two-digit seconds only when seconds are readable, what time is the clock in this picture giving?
10.13
